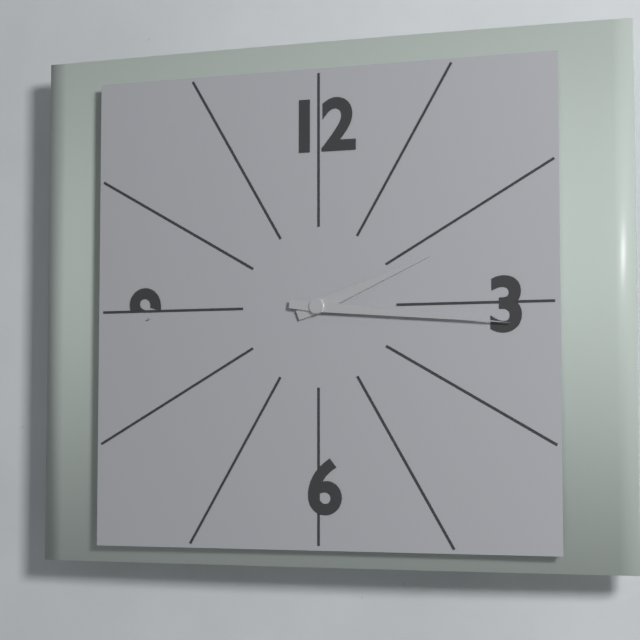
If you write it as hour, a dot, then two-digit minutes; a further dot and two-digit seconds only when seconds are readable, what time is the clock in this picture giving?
2.16
